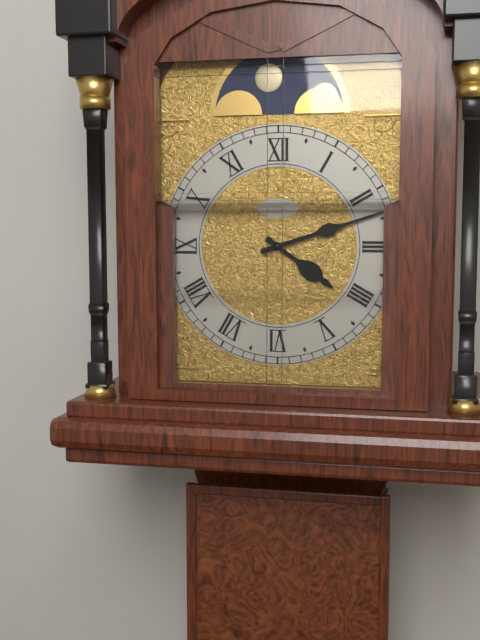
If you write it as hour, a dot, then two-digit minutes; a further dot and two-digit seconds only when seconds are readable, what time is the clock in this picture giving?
4.12
